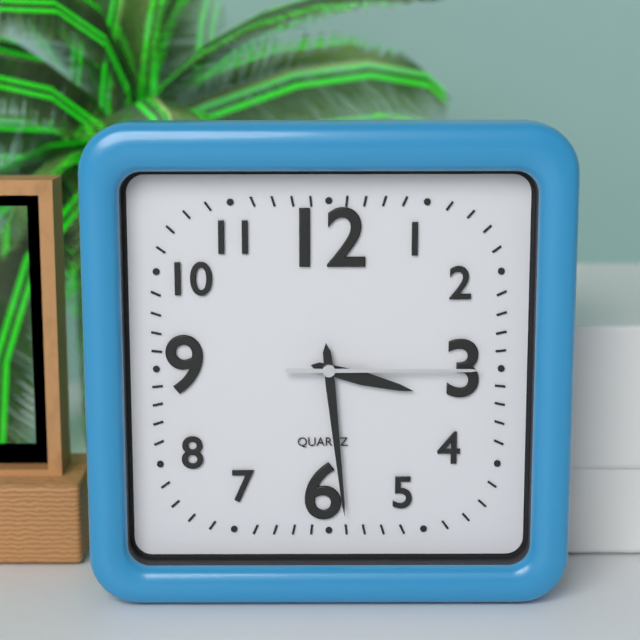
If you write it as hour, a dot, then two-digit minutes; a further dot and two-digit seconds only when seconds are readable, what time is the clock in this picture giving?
3.29.15
